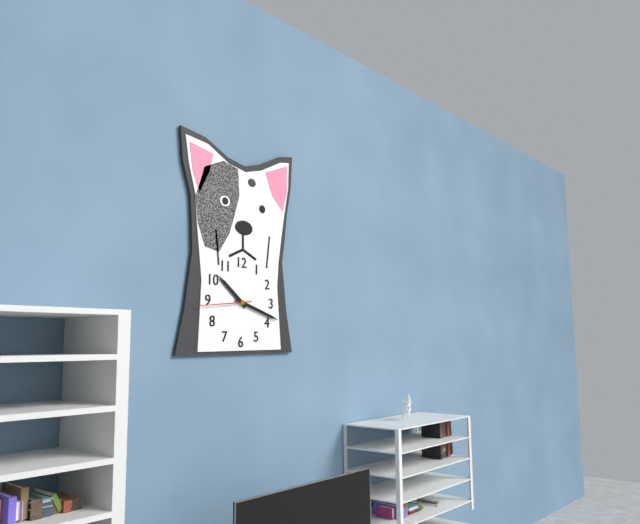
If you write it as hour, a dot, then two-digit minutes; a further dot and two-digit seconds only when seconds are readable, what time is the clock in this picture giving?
10.18.44
